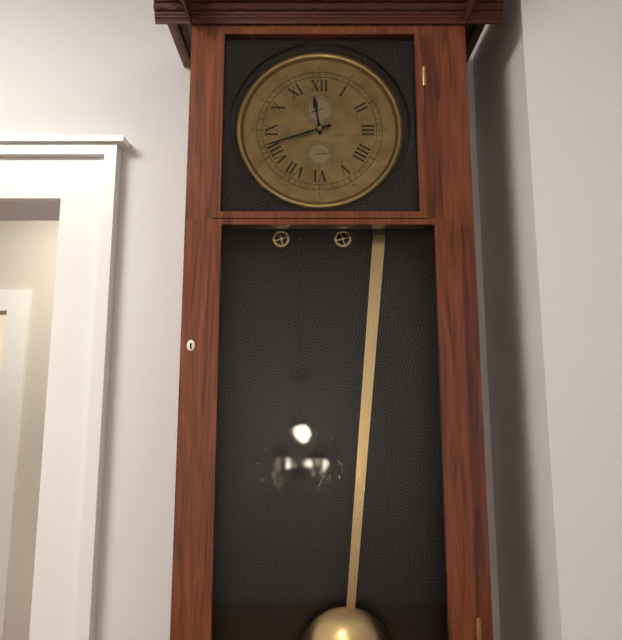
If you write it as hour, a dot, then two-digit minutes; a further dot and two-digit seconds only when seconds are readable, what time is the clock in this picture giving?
11.42
